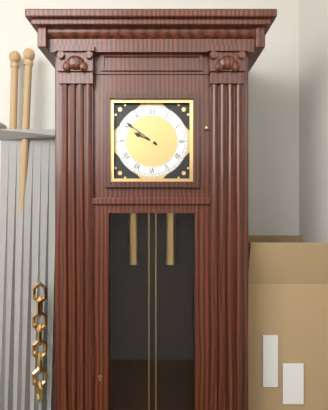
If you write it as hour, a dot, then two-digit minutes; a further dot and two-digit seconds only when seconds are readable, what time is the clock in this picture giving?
9.51
